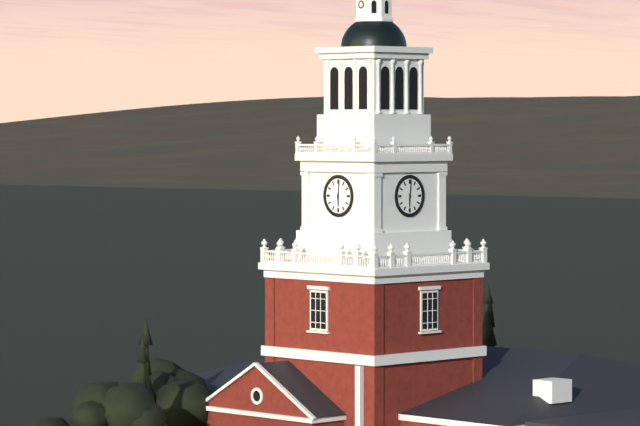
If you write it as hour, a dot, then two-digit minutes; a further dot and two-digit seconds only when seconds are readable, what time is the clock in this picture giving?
6.01
